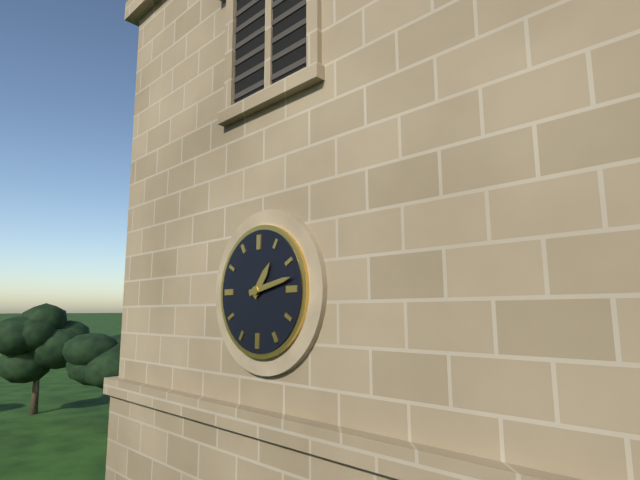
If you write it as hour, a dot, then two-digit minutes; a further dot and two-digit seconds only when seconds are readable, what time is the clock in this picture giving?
1.13
